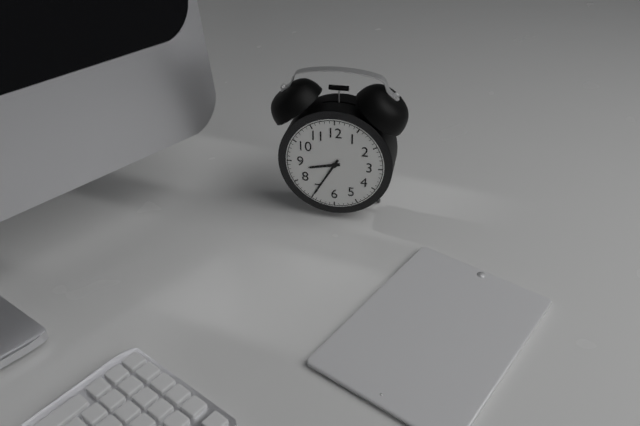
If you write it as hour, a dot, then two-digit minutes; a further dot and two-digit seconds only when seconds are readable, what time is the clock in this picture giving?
8.35
